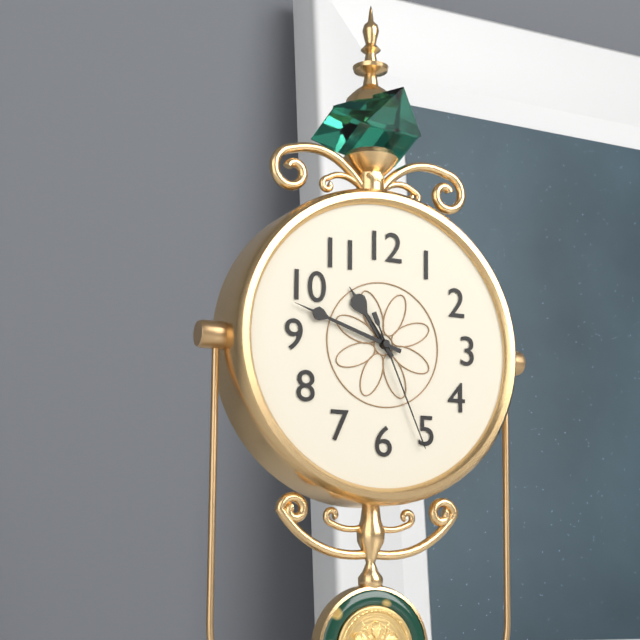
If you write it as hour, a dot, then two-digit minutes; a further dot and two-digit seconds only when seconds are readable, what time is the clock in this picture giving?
10.48.26
